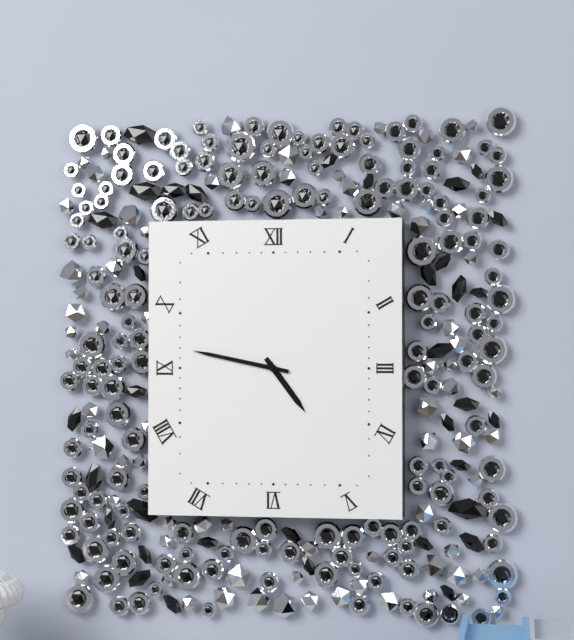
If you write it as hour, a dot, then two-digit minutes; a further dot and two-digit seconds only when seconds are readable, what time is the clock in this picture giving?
4.47
